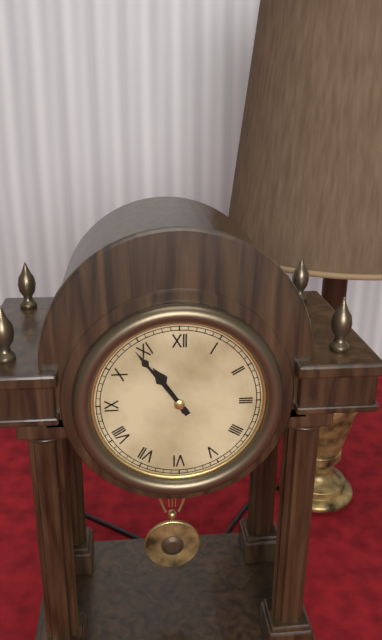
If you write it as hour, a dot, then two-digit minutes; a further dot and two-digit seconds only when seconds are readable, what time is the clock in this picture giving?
10.54
